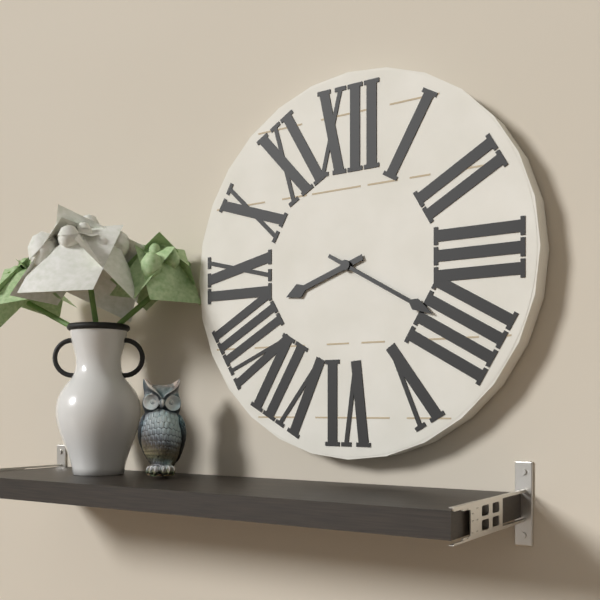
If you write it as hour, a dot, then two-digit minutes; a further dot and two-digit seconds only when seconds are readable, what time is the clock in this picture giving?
8.20
